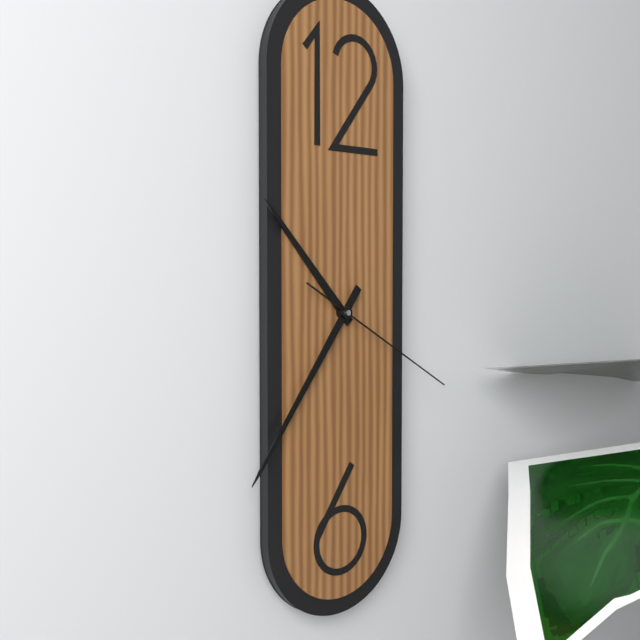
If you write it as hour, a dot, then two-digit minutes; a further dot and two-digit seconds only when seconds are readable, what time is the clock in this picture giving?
10.36.20
